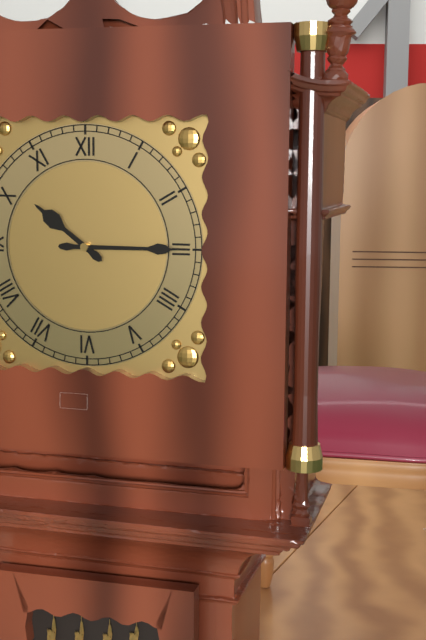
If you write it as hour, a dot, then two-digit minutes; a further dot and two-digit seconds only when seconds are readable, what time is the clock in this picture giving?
10.15
